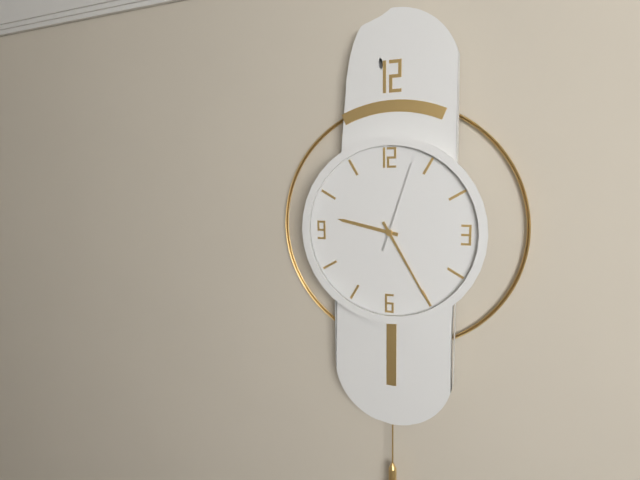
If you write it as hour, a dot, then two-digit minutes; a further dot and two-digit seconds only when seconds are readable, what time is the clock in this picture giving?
9.25.03
